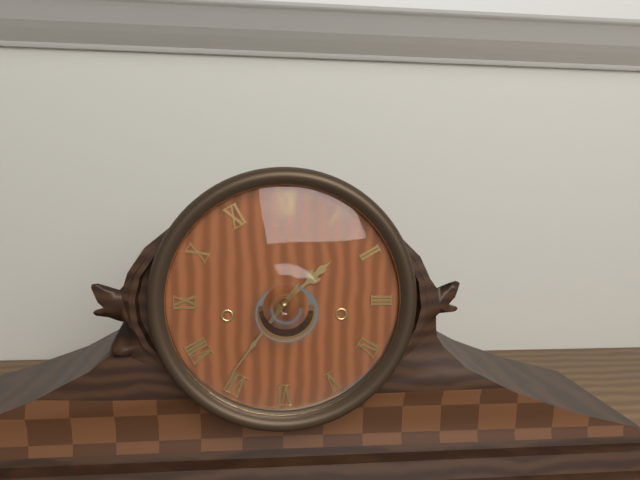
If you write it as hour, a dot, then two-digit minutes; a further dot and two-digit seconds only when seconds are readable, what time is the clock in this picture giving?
1.36
